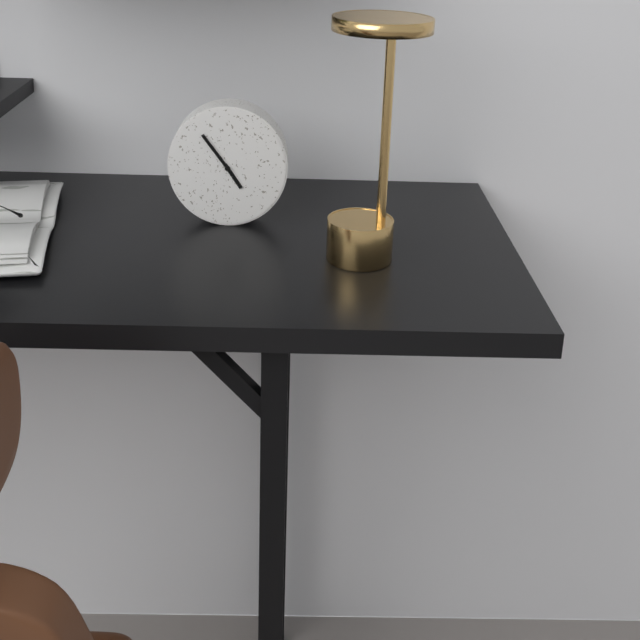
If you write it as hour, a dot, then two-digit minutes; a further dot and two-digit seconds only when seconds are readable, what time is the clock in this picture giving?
4.54
